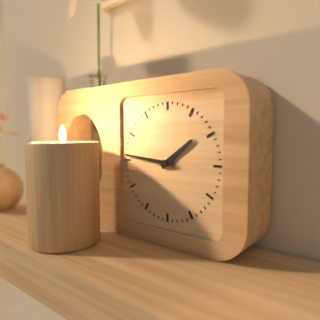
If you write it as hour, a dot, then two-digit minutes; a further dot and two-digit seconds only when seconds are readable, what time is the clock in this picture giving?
1.46
